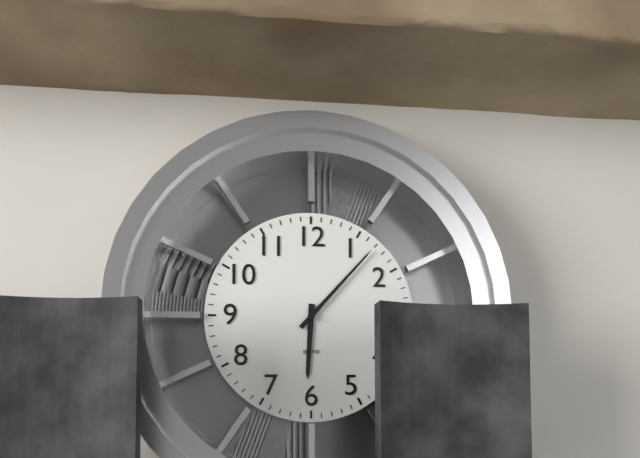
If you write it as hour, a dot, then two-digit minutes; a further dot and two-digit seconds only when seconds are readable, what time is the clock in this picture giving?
6.07
